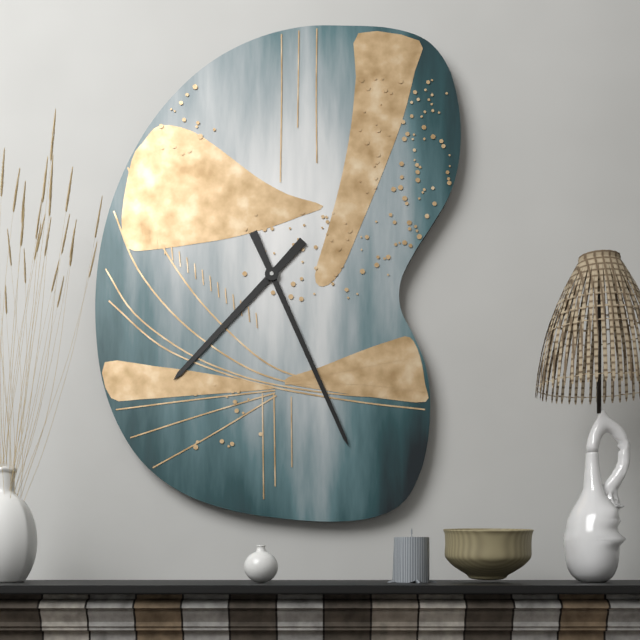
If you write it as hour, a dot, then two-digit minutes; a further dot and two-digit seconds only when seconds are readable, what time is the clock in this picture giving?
7.26
